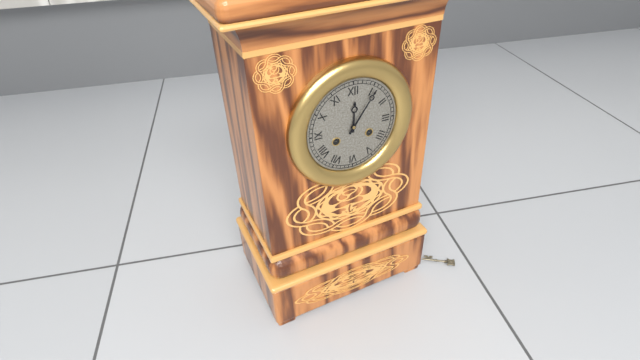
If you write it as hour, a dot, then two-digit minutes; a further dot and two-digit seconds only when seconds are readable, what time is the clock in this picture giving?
12.06
